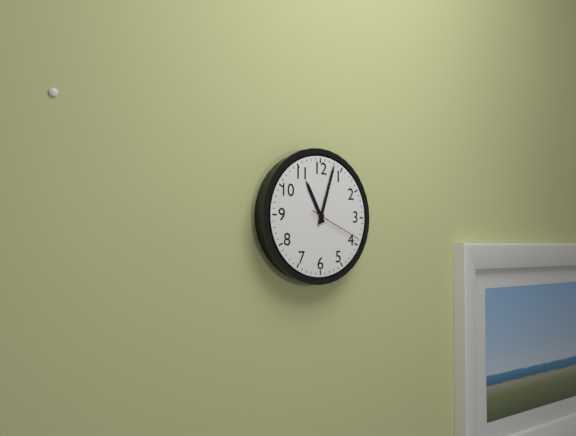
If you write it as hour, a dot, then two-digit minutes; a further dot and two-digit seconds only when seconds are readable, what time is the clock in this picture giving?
11.03.19
